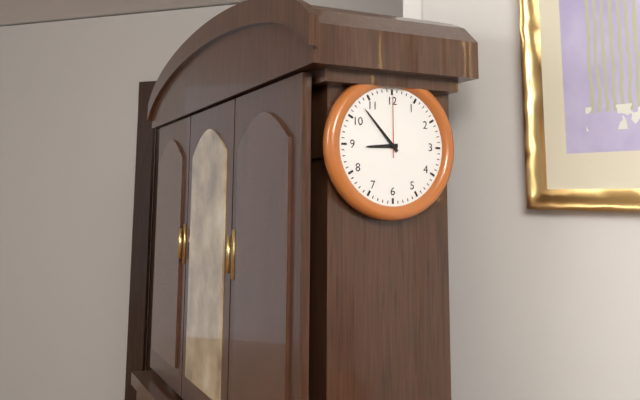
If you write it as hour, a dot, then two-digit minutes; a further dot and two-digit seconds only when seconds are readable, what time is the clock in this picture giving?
8.53.00
